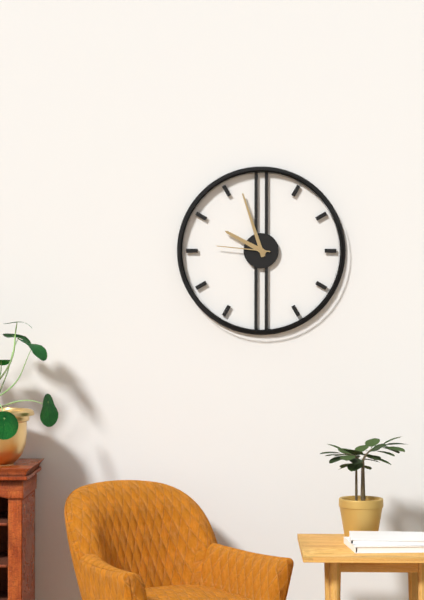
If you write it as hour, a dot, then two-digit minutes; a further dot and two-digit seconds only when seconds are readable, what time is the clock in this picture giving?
9.57.46
